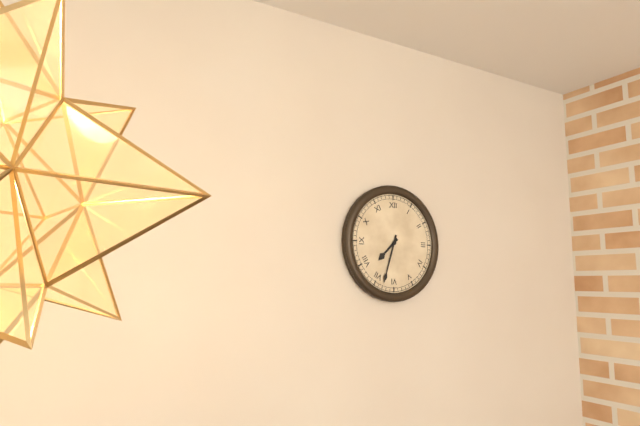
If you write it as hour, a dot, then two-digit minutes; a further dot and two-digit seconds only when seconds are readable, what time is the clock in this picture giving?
7.33
